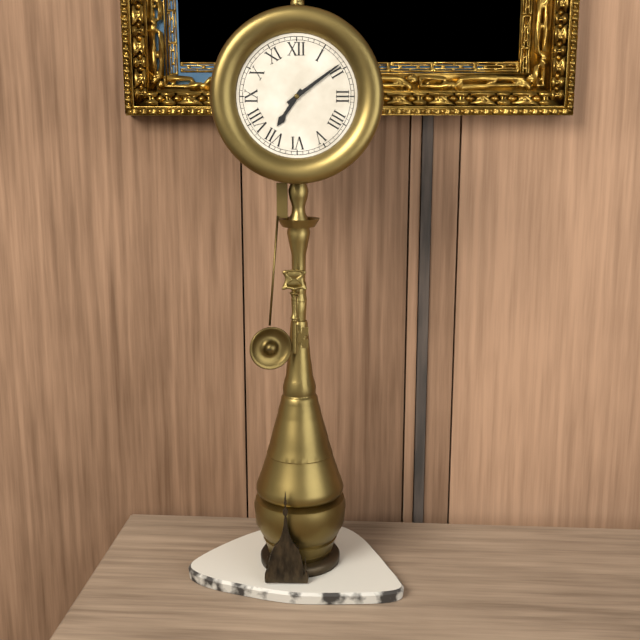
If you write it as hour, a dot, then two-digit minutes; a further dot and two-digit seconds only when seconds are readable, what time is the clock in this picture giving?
7.09
